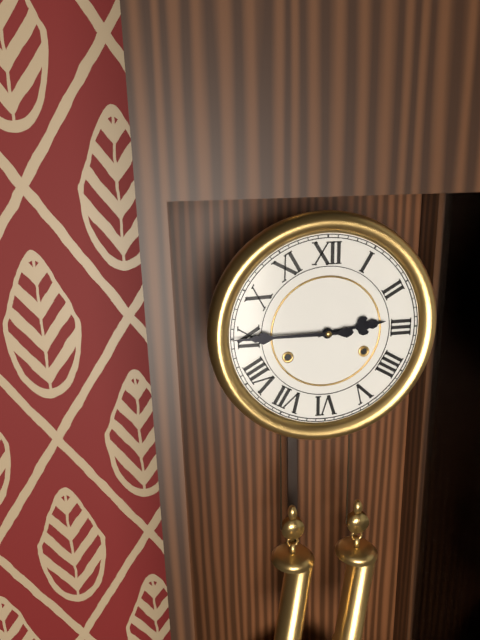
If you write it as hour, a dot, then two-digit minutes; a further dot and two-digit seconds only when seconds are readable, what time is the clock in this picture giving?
2.45
